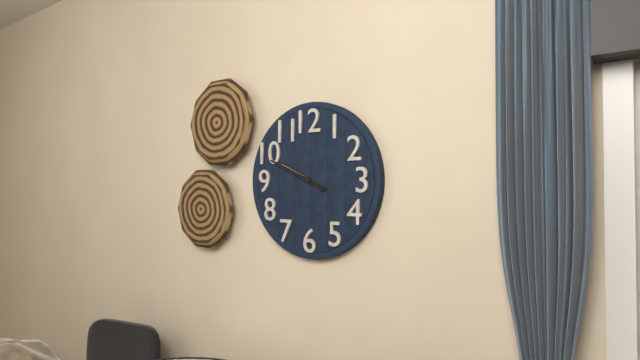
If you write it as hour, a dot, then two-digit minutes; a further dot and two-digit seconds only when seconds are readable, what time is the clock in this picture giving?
9.49
